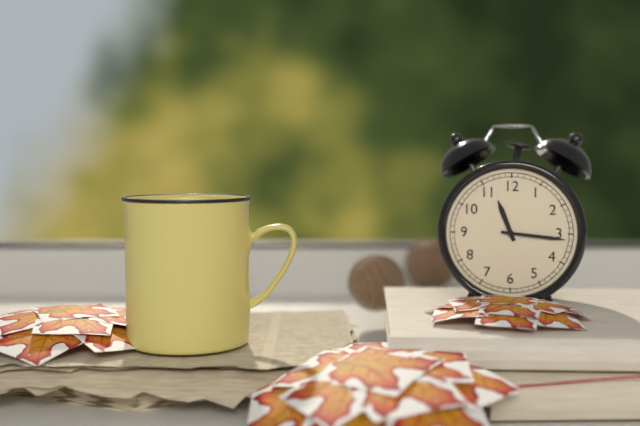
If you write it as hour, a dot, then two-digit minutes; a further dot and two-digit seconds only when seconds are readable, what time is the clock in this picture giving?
11.16
